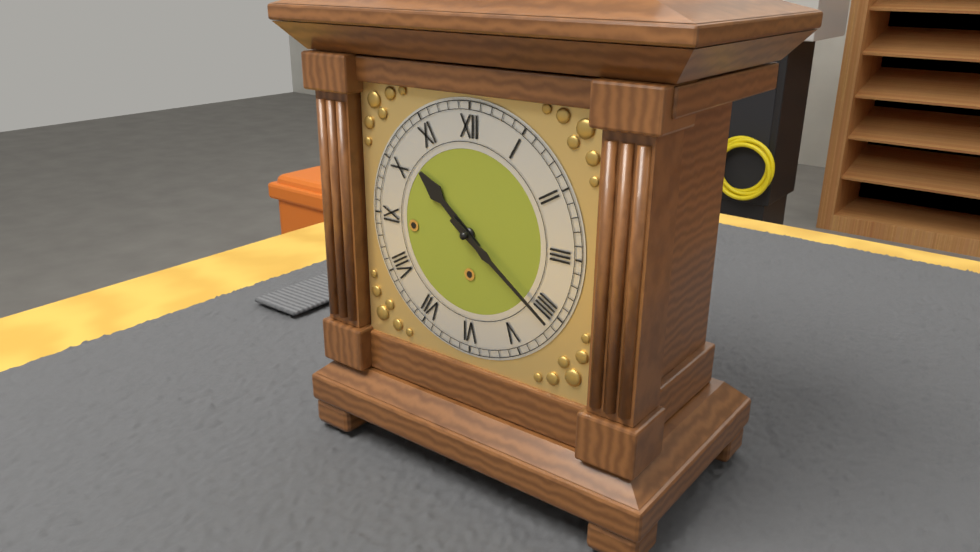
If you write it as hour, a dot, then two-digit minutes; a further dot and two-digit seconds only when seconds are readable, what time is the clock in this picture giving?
10.21
